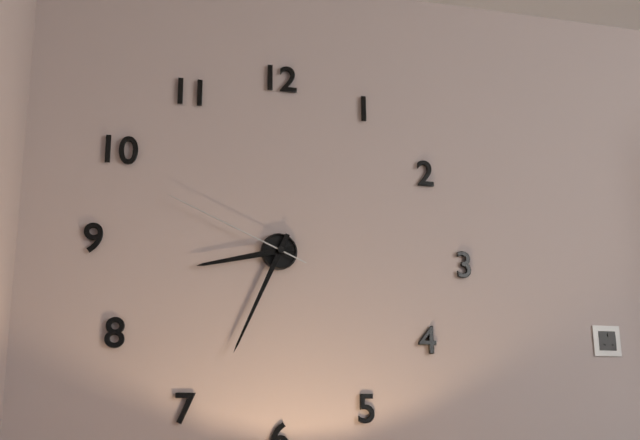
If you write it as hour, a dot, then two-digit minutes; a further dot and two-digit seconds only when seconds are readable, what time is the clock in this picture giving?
8.34.49
